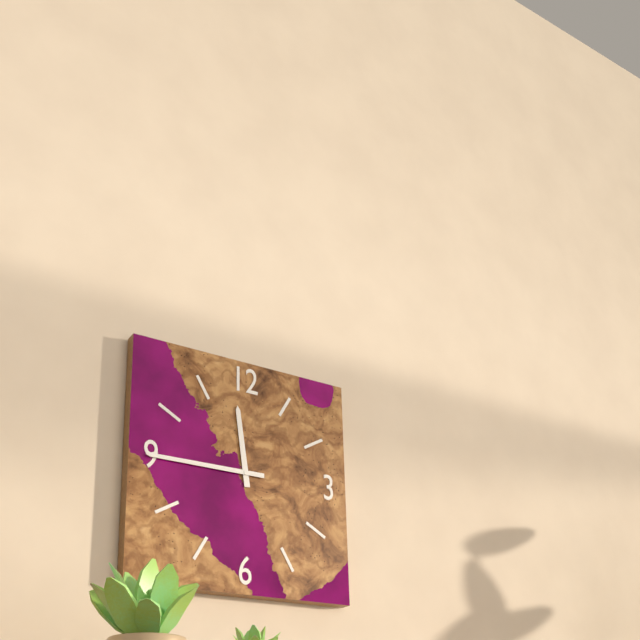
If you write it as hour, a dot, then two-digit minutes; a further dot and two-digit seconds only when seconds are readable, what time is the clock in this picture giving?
11.45
